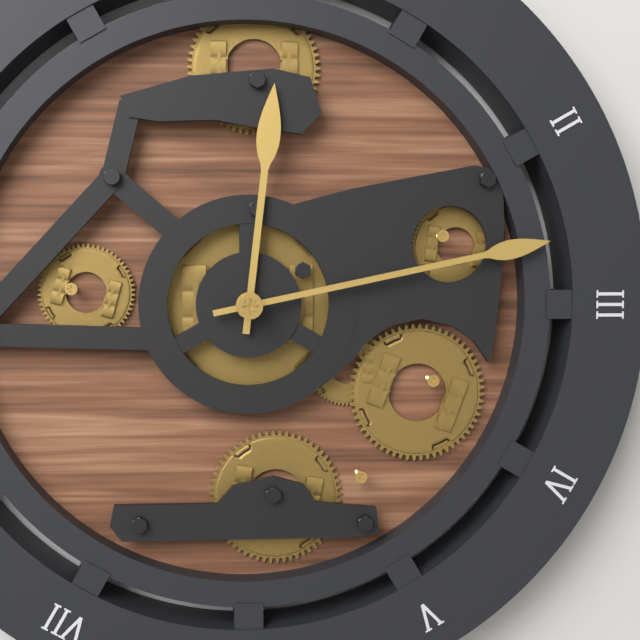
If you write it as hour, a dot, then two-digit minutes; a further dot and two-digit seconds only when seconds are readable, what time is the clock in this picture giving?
12.13
